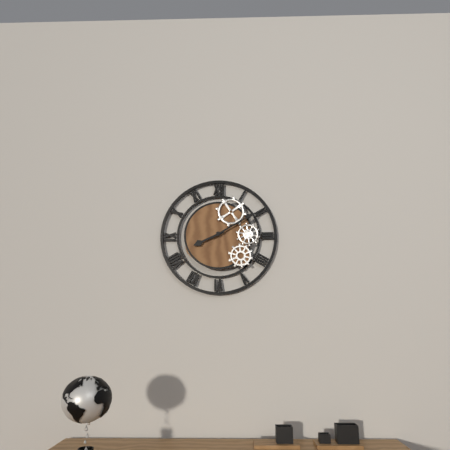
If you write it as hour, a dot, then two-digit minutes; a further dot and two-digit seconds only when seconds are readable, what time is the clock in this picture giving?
8.10
